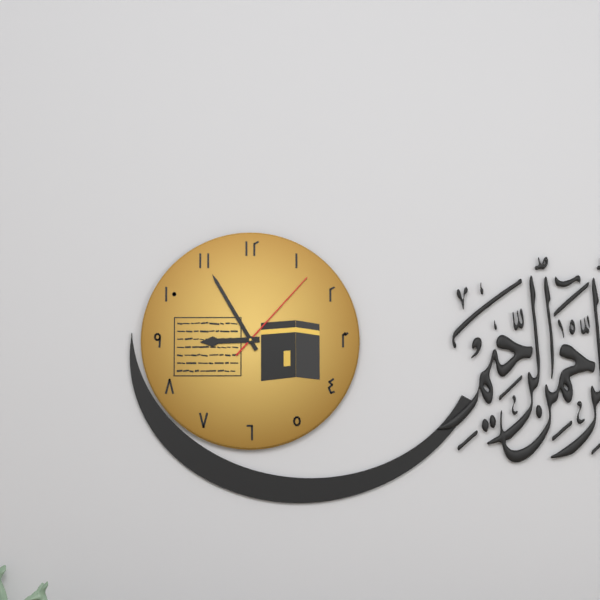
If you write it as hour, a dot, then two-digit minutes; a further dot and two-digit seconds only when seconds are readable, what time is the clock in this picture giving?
8.55.07
